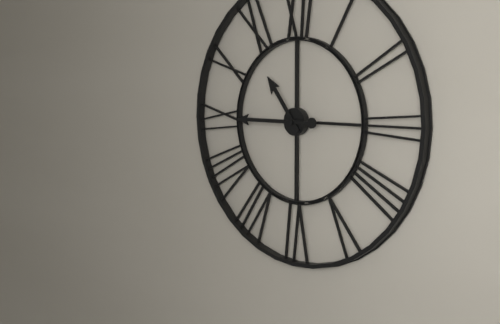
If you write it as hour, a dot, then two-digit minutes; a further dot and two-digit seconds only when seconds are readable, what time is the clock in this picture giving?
10.45
